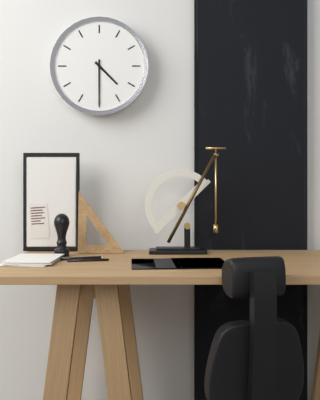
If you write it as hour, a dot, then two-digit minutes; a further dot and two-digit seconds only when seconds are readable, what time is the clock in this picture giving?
4.30
